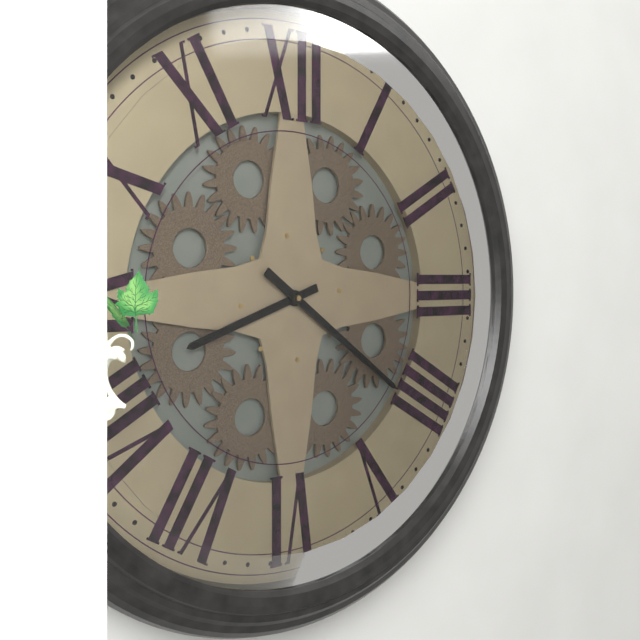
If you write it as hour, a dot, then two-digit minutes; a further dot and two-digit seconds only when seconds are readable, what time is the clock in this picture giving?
8.21
